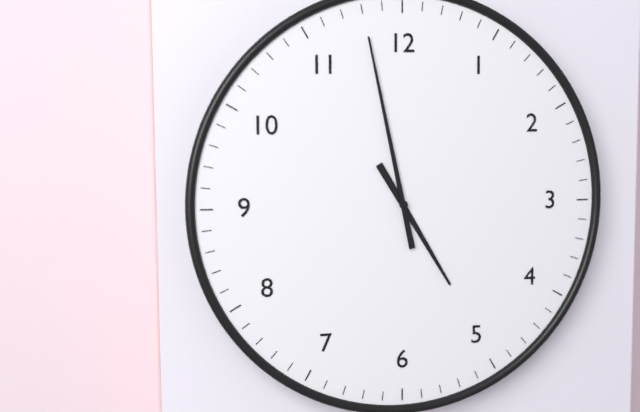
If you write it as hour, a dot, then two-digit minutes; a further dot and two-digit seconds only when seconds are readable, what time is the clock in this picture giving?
4.58
